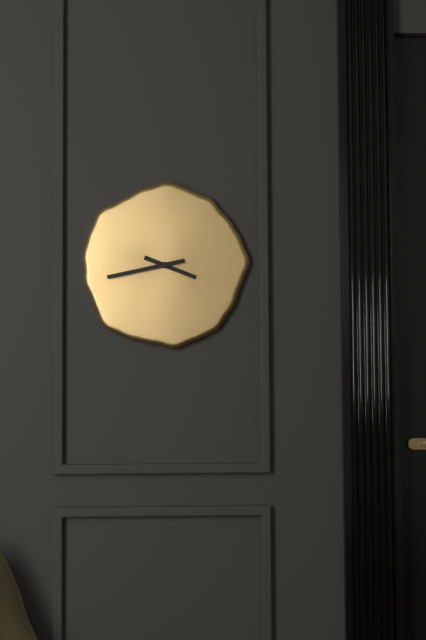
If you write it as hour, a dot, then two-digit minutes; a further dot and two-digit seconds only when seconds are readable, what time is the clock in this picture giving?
3.43
